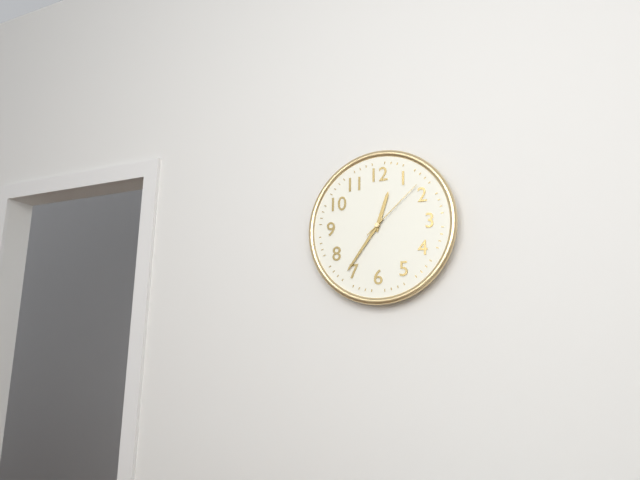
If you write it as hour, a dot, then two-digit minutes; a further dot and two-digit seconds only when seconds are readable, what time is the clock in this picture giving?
12.36.08
